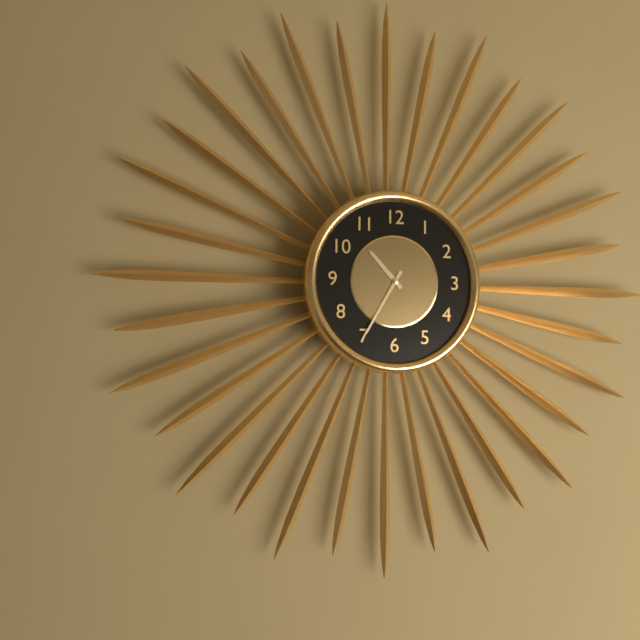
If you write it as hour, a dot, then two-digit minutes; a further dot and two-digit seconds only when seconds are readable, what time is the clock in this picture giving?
10.35
